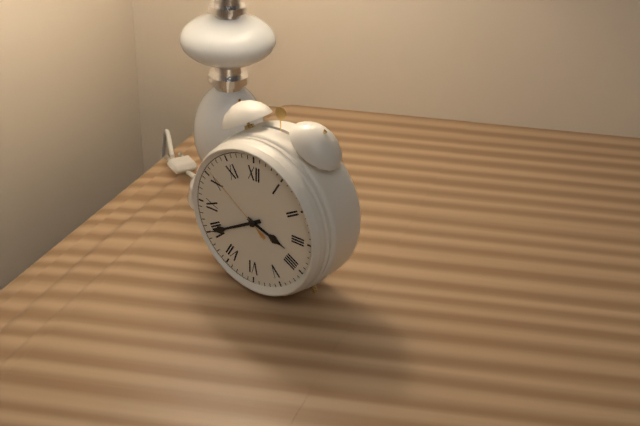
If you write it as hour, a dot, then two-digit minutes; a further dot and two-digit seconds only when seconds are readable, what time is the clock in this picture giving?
3.40.51
